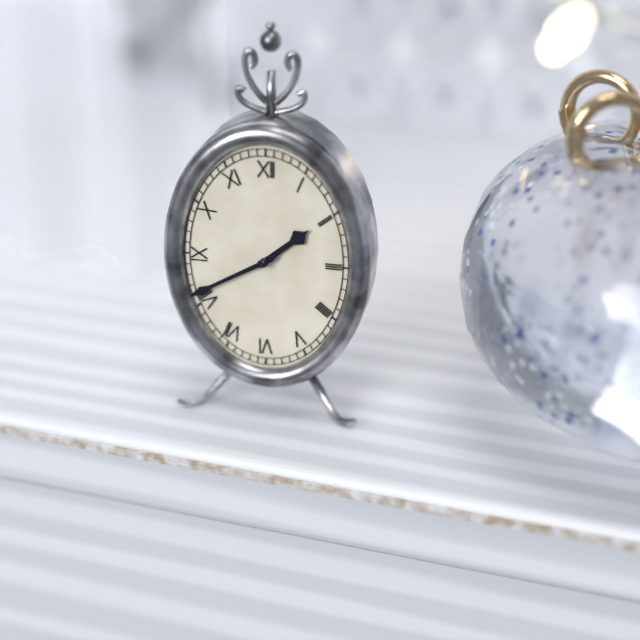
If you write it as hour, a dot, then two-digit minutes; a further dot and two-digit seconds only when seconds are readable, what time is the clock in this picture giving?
1.40
